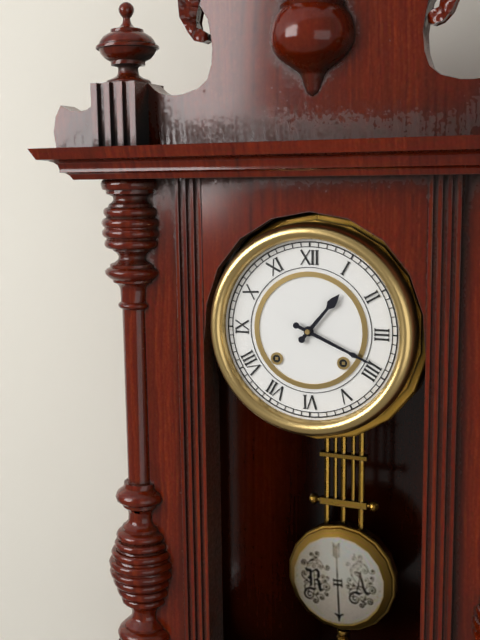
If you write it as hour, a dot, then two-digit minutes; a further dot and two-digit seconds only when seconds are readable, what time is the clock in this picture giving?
1.19
